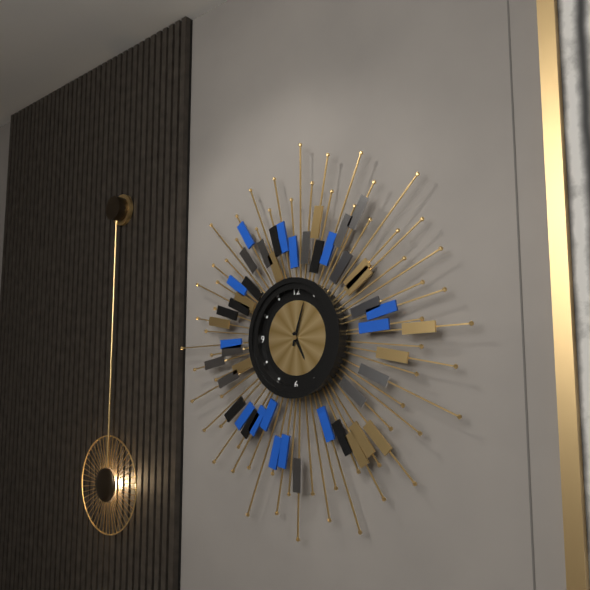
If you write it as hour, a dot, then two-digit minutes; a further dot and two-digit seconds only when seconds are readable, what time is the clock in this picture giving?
5.03
